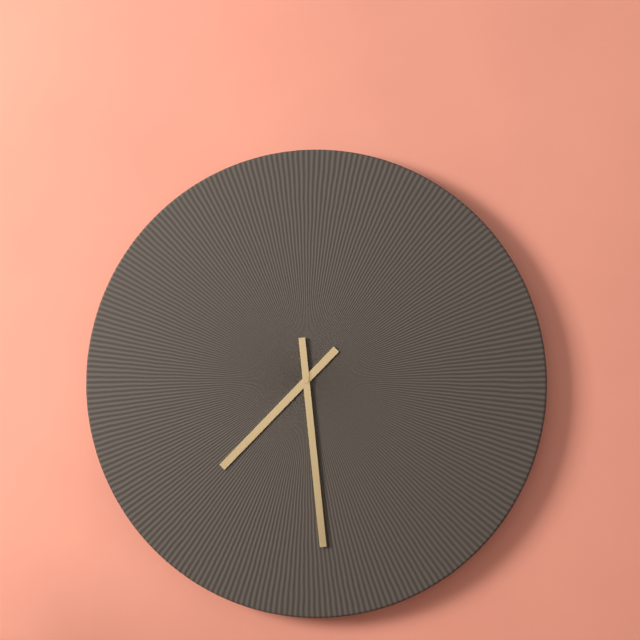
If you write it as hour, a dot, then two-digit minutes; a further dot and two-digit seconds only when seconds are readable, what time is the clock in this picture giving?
7.29
